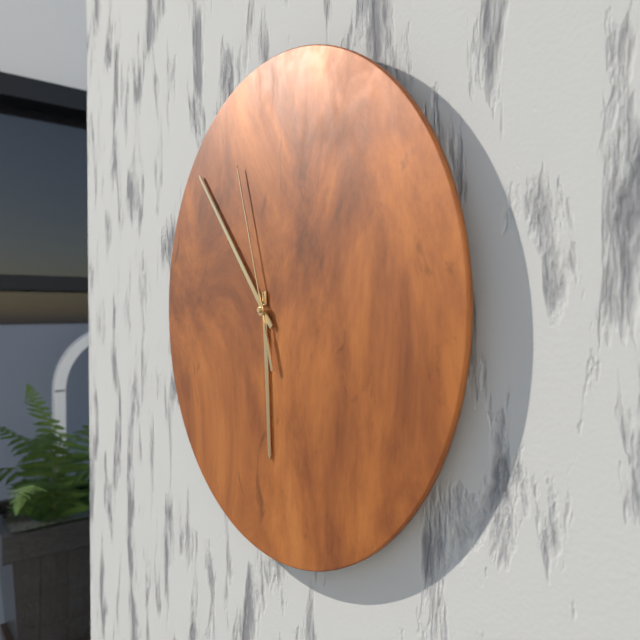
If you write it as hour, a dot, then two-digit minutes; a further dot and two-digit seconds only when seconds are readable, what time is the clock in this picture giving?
5.53.57
